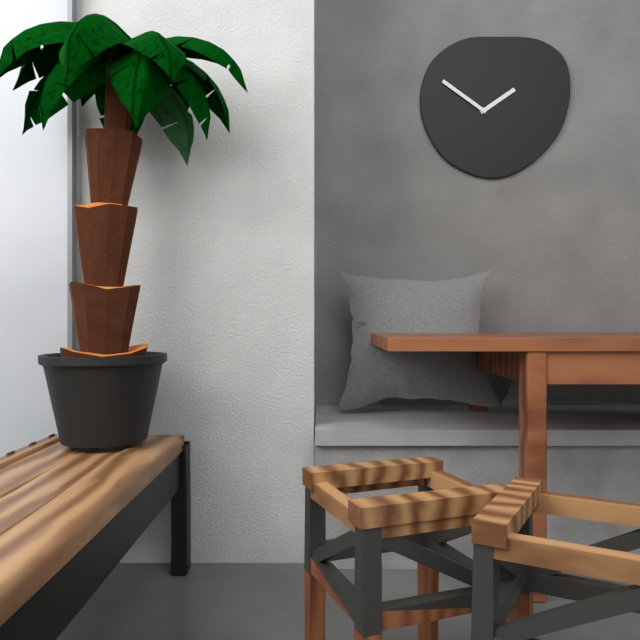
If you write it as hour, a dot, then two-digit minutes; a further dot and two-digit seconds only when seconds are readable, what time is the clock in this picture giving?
1.51
